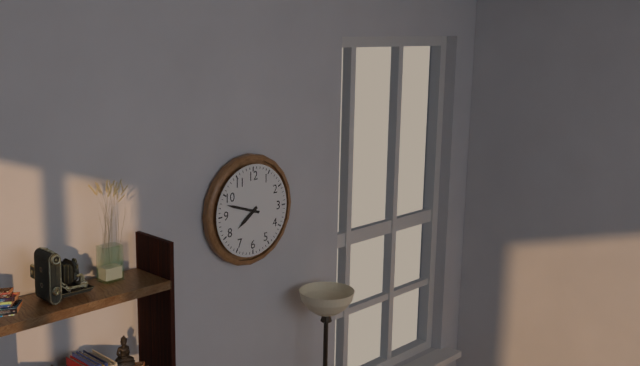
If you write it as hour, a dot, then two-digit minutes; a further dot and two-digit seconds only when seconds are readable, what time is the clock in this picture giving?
7.48
